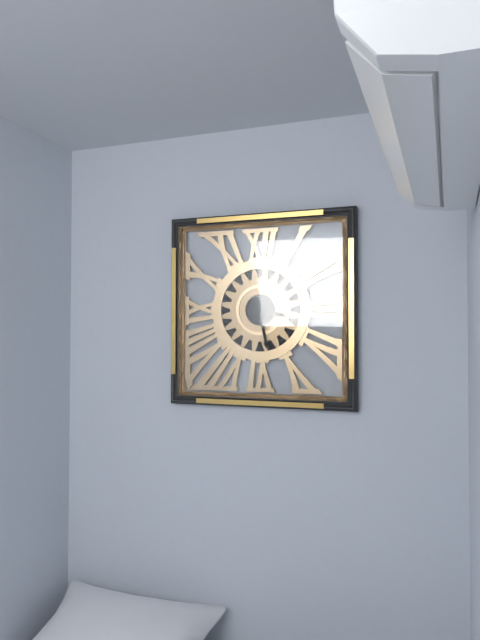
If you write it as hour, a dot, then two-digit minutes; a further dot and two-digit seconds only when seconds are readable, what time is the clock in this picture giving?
3.28
